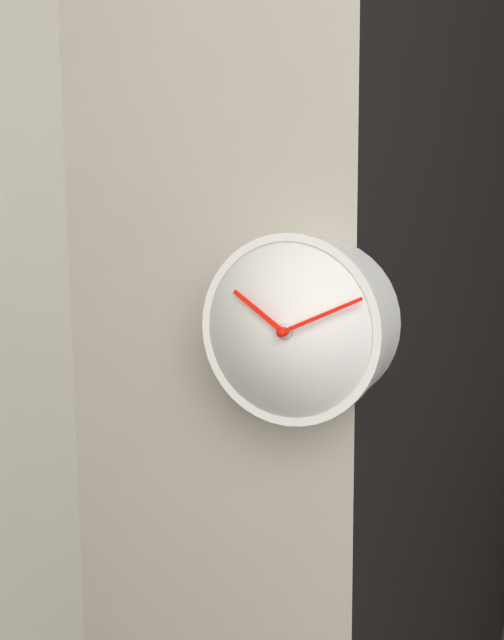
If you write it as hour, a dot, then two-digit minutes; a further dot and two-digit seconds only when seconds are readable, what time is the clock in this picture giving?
10.11
